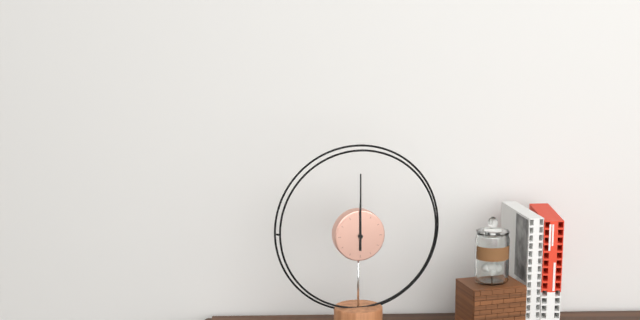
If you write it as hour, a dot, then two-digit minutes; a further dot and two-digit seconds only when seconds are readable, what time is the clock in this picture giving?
12.00
